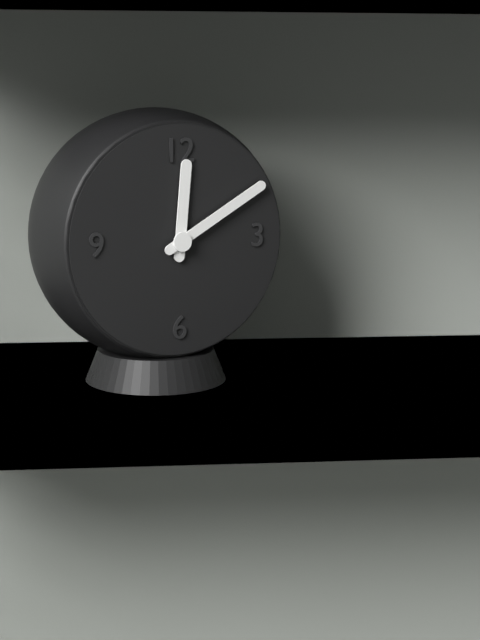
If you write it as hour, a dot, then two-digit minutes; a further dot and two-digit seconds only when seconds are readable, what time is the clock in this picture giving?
12.10
